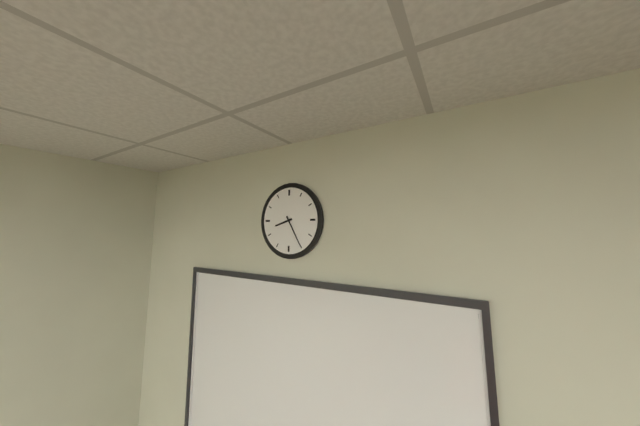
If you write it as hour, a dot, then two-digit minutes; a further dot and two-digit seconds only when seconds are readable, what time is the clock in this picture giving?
8.25
